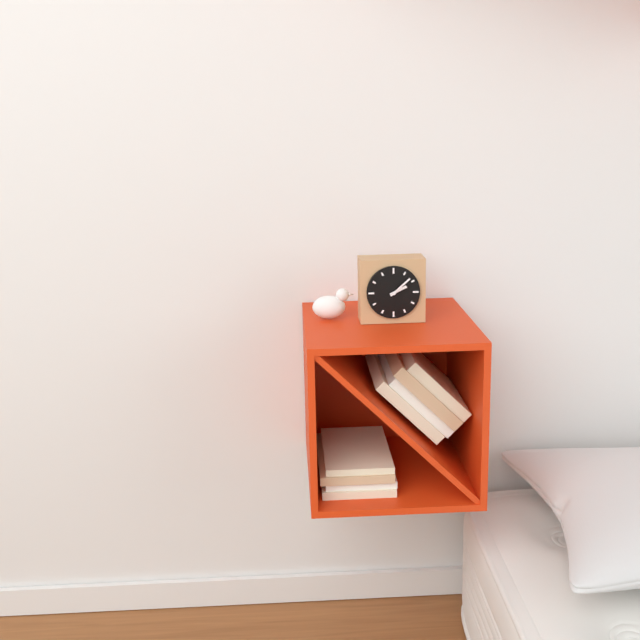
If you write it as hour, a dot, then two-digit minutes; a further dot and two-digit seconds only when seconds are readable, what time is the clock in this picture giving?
2.08
